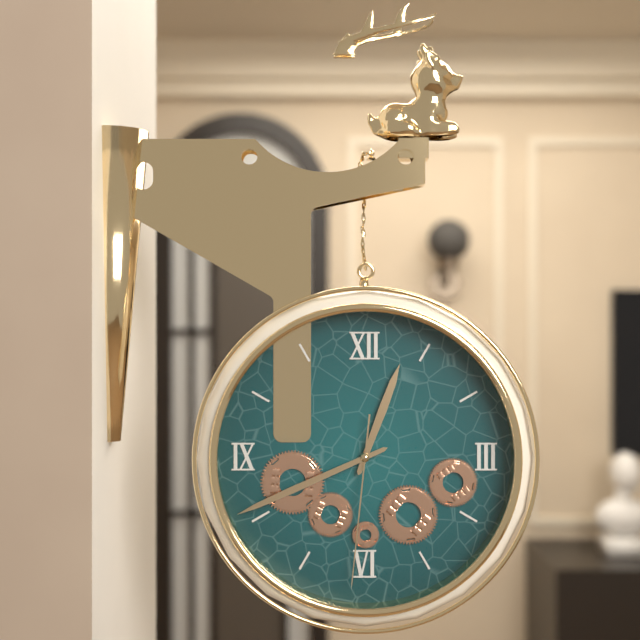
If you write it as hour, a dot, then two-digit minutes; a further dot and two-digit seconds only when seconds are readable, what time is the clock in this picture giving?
12.41.31
